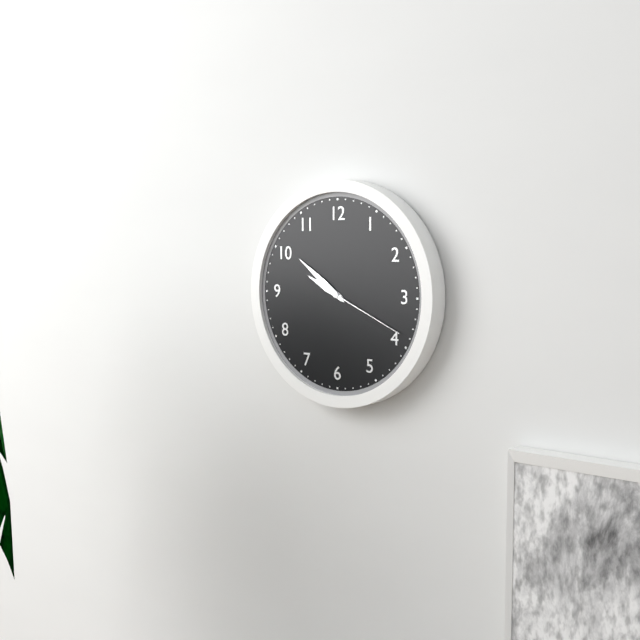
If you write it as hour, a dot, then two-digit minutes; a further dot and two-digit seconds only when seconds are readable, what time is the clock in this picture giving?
9.51.19
